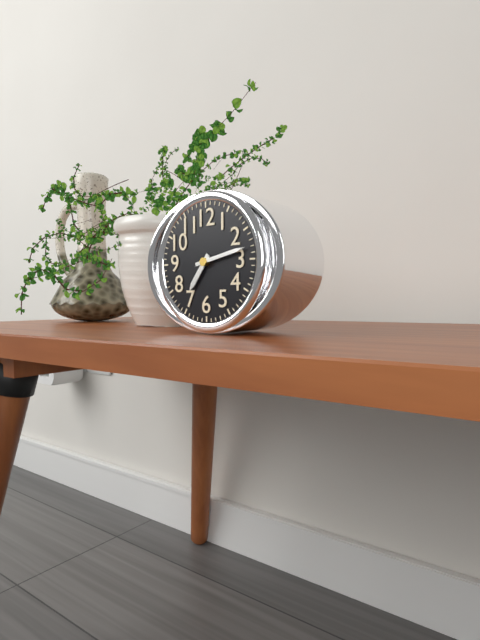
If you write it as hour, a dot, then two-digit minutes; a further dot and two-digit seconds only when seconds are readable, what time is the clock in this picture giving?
7.13
